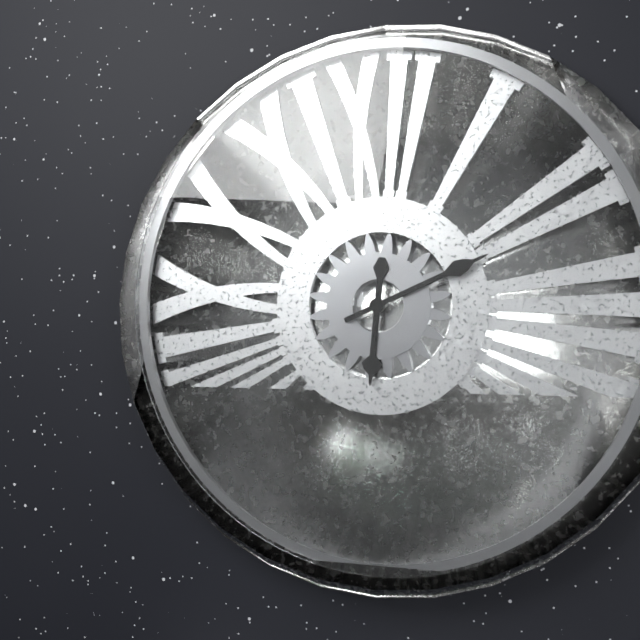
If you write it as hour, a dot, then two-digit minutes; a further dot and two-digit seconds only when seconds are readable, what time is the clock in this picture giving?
6.11
